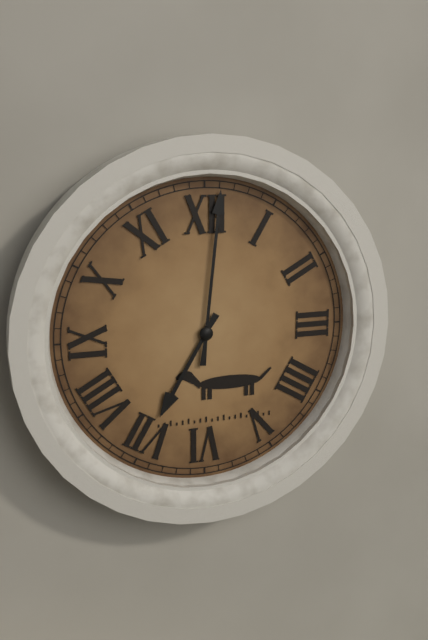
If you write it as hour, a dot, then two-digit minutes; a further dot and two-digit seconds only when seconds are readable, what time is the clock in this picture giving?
7.01
